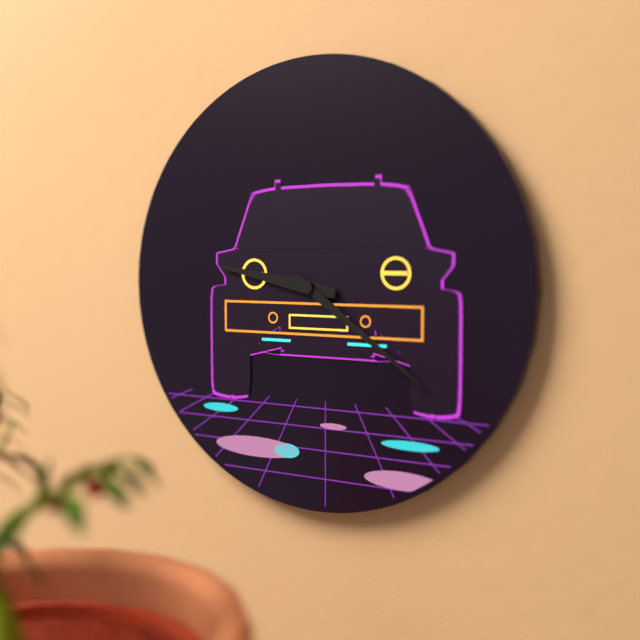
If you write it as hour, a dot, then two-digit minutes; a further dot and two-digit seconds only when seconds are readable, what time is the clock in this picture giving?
9.21
